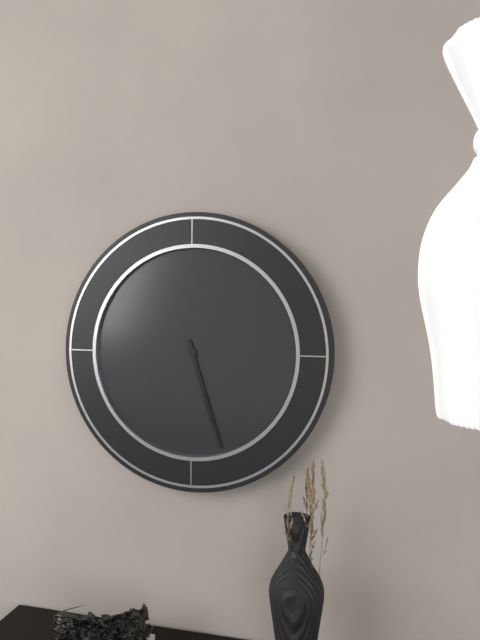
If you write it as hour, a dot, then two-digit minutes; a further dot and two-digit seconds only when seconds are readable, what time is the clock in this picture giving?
5.27
